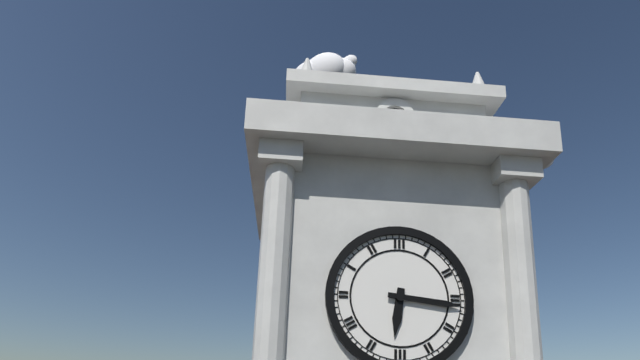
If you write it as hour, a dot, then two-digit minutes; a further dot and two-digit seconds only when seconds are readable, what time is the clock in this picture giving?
6.16
